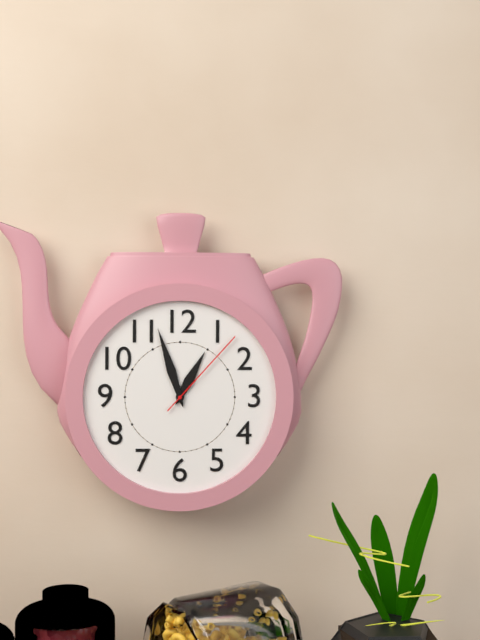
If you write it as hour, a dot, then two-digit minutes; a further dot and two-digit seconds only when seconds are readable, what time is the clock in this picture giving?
12.57.07
